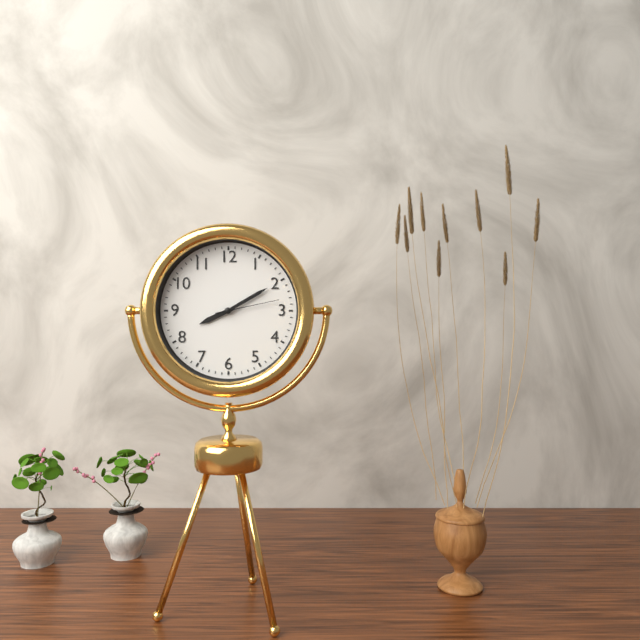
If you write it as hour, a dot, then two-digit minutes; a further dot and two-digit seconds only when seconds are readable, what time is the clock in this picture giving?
8.10.13
